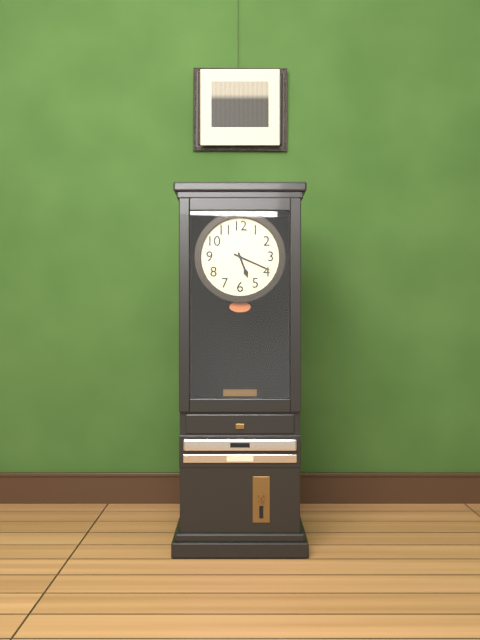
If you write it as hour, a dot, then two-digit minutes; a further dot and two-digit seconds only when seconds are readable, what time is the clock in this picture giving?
5.19
